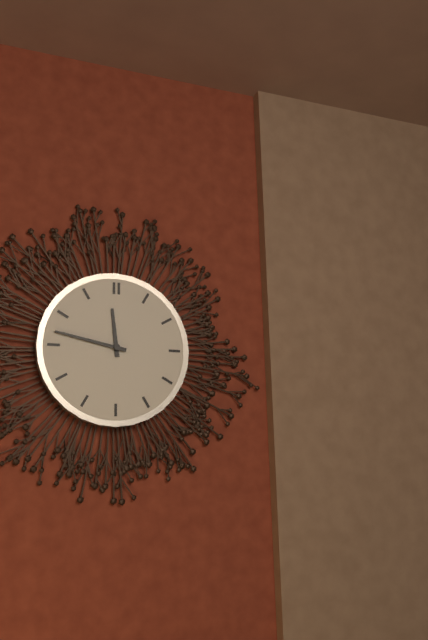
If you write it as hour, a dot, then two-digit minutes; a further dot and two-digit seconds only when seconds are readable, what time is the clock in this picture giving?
11.47
